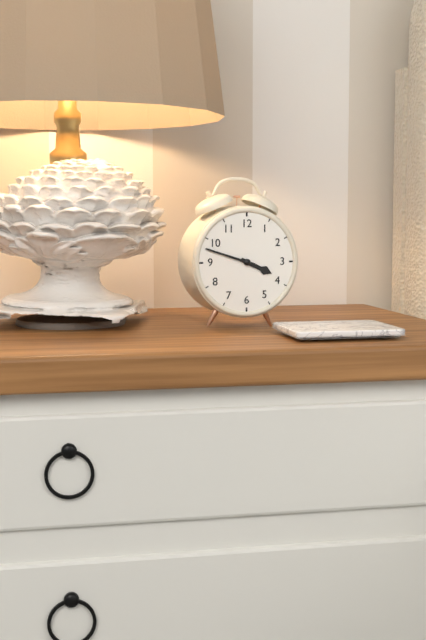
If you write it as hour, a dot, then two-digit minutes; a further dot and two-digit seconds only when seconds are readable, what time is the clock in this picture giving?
3.48
